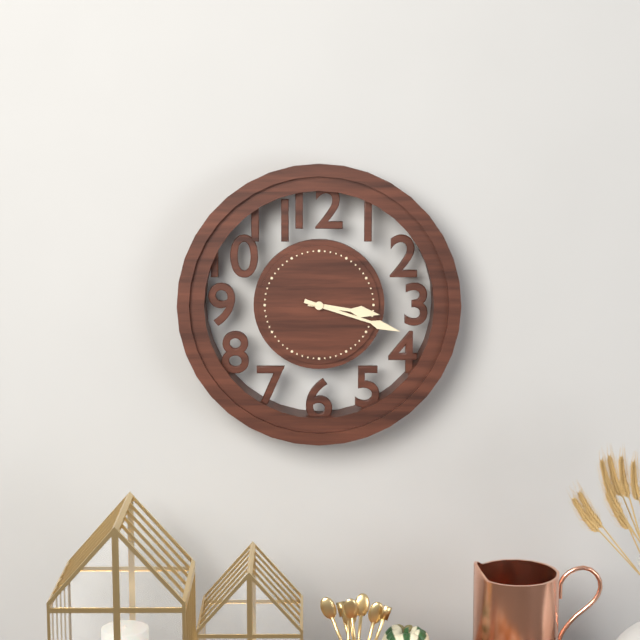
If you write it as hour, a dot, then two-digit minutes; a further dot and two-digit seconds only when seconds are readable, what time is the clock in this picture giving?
3.18
